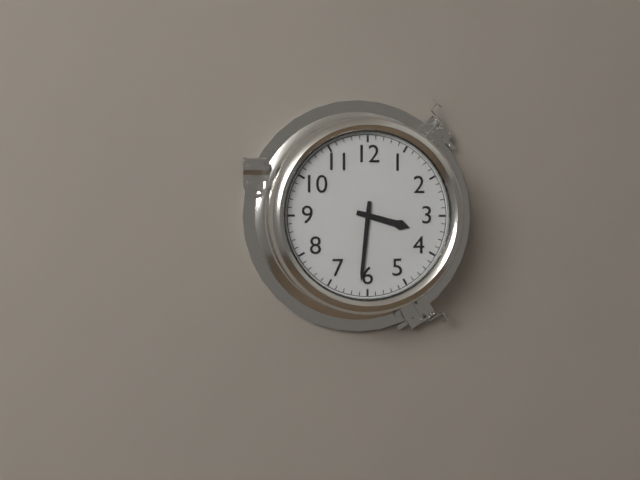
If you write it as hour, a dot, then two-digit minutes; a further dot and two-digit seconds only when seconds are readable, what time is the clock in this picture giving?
3.31
